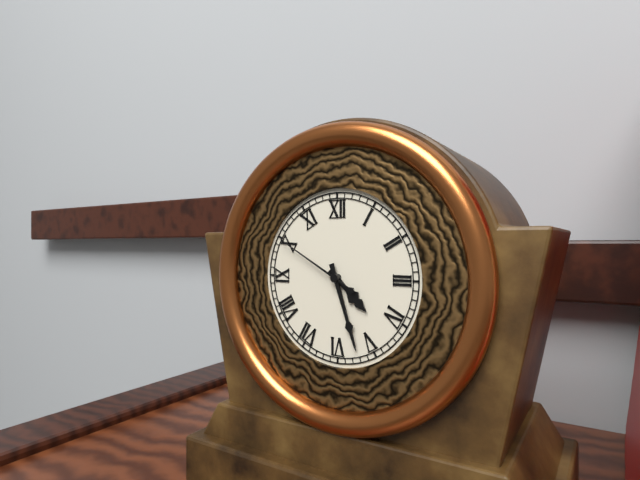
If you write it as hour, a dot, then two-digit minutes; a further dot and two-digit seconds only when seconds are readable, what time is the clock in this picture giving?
4.27.50
